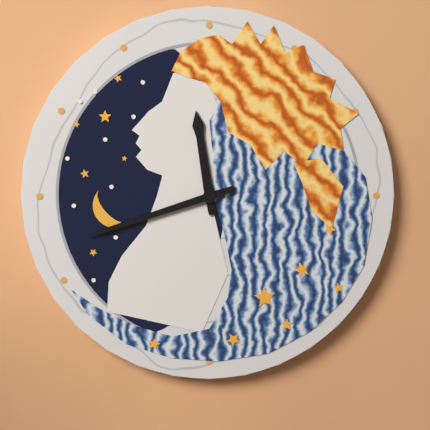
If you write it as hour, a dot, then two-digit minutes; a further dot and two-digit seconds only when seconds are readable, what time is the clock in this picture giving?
11.42
